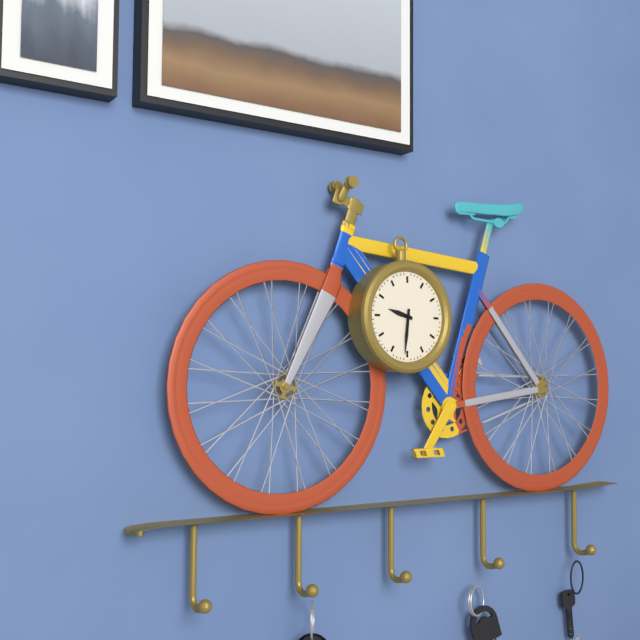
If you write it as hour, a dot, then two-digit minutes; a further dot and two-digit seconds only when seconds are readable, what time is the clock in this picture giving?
9.31
